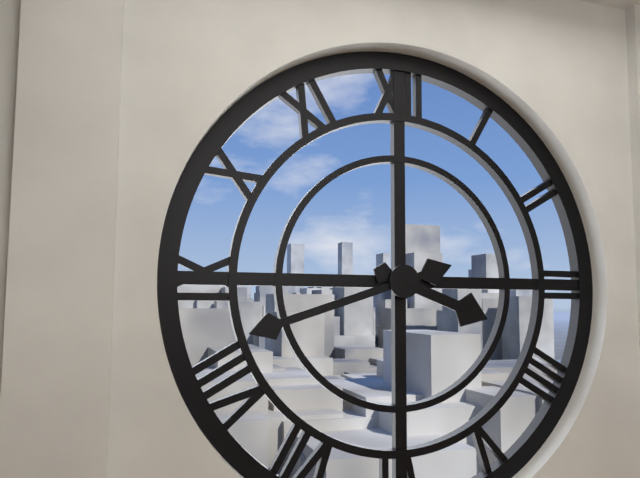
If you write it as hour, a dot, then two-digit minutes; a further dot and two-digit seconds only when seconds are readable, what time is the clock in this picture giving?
3.42
